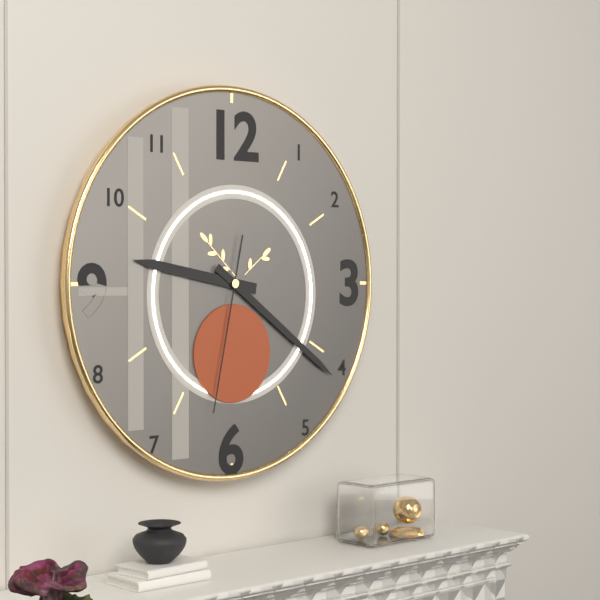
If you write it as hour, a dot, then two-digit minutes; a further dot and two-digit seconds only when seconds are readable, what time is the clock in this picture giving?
9.21.32
